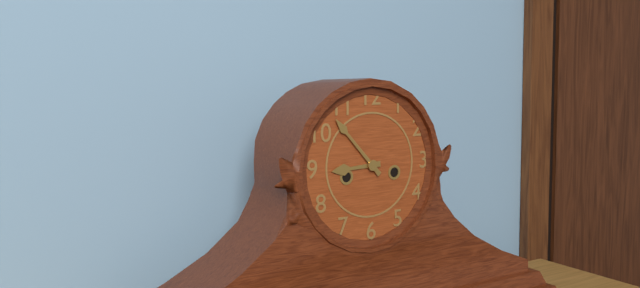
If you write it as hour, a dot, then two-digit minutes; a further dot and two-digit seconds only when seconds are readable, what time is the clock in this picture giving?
8.53
